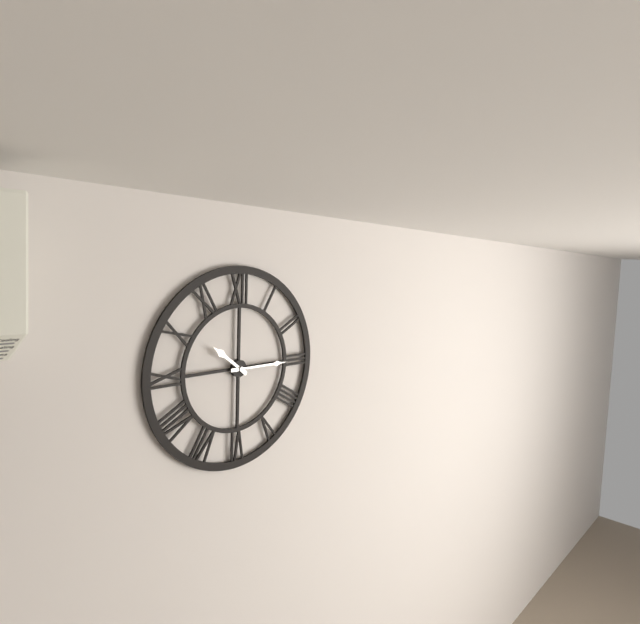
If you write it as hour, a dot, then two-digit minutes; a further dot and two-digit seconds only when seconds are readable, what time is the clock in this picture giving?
10.15
